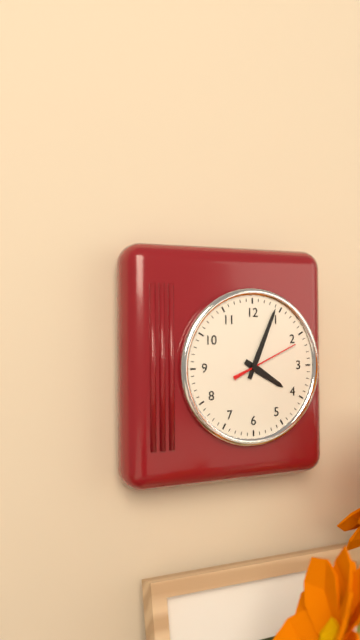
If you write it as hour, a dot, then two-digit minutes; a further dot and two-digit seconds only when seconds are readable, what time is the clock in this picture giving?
4.04.11
